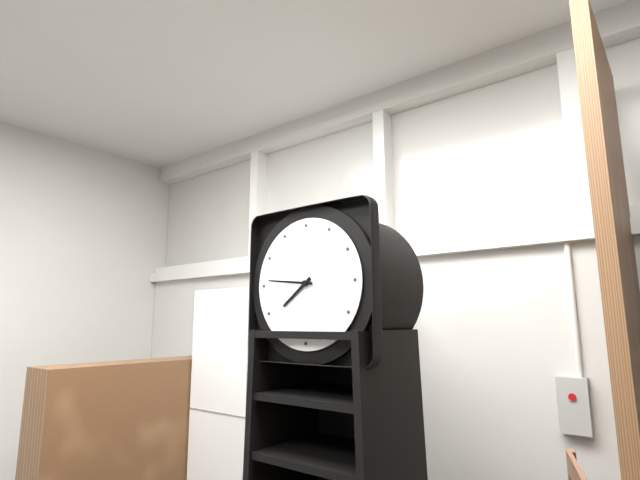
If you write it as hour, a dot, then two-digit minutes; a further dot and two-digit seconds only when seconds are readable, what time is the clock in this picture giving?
7.46
